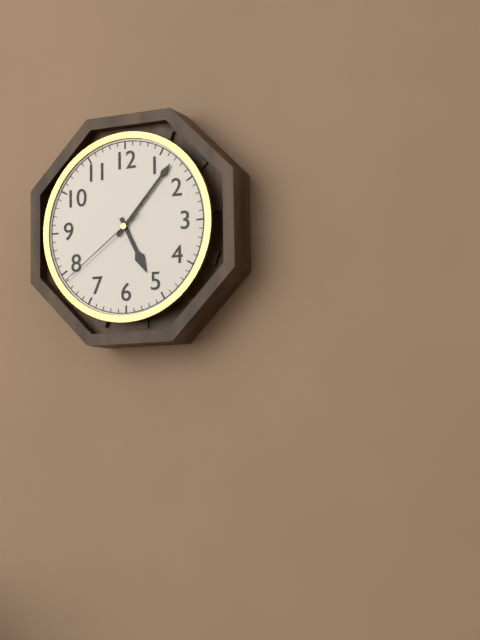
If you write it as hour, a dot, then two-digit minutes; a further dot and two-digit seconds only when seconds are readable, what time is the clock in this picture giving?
5.07.39
